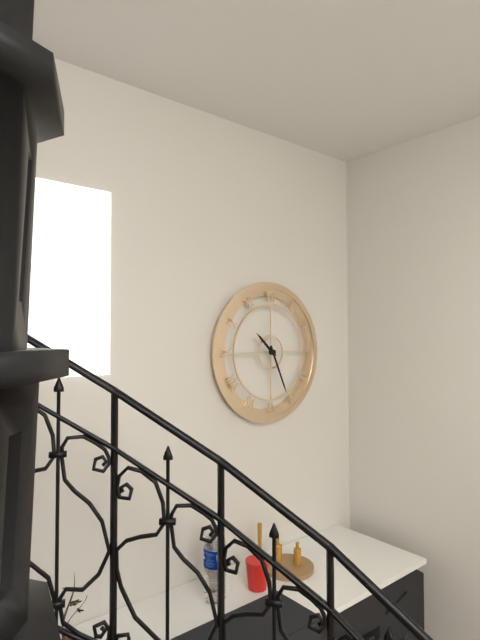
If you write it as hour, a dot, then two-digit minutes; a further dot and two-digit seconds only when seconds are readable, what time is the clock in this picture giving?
10.26
